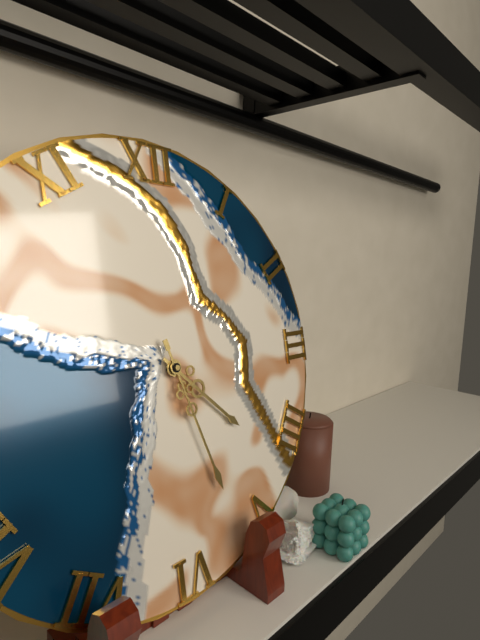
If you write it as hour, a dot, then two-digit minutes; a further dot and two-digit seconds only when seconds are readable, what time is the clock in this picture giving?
4.27
